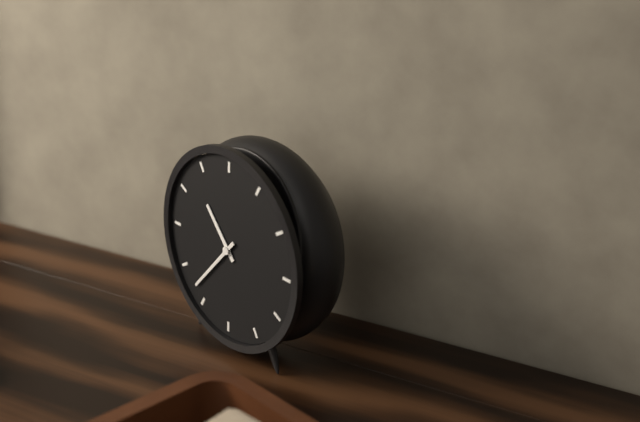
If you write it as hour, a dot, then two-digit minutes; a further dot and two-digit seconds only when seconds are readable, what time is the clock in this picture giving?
10.37
